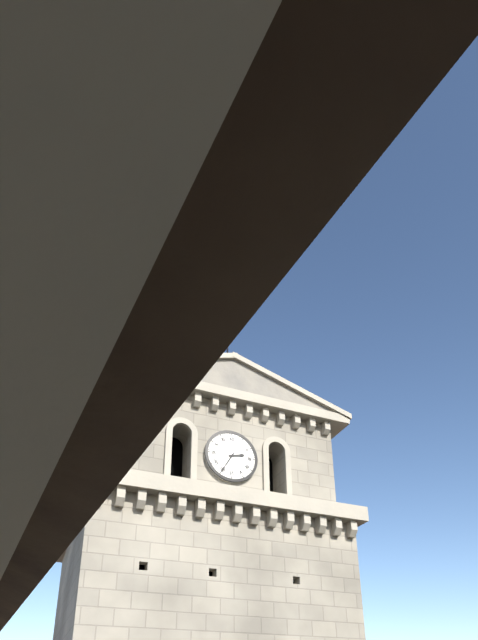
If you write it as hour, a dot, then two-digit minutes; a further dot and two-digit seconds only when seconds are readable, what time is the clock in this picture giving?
2.35
